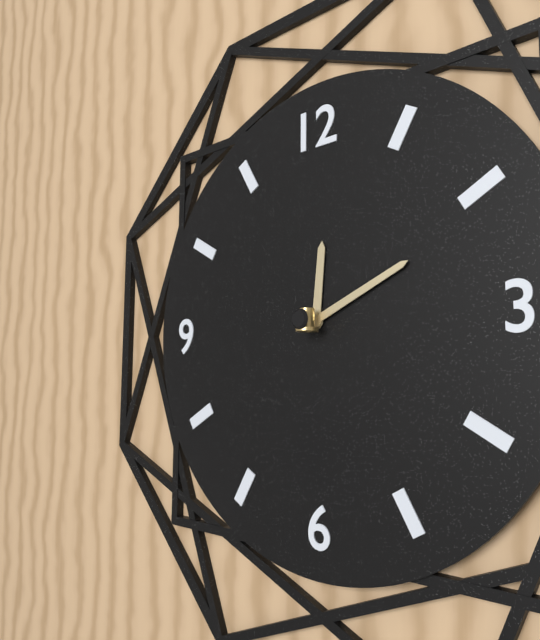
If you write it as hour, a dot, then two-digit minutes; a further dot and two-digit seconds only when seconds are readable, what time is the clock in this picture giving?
12.11
